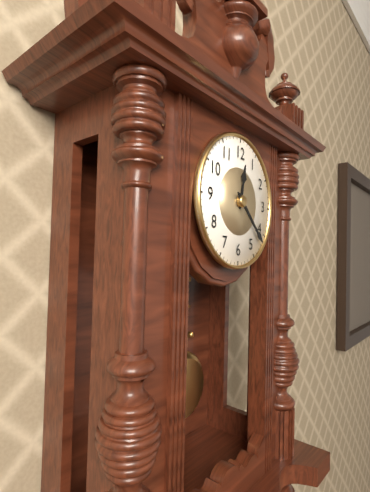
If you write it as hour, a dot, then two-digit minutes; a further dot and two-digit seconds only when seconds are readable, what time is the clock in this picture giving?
12.22
